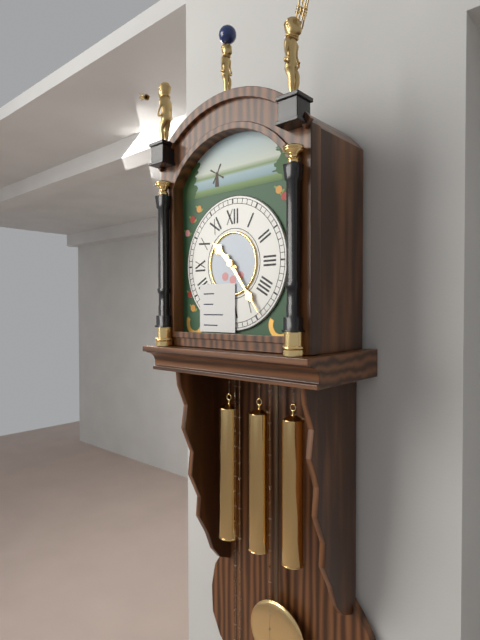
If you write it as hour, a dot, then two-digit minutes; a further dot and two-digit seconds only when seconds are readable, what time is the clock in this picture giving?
10.24
